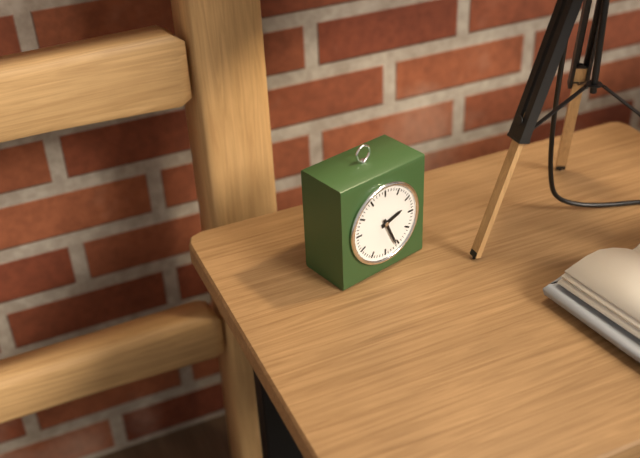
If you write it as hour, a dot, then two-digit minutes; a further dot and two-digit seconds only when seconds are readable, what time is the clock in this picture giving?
2.26
